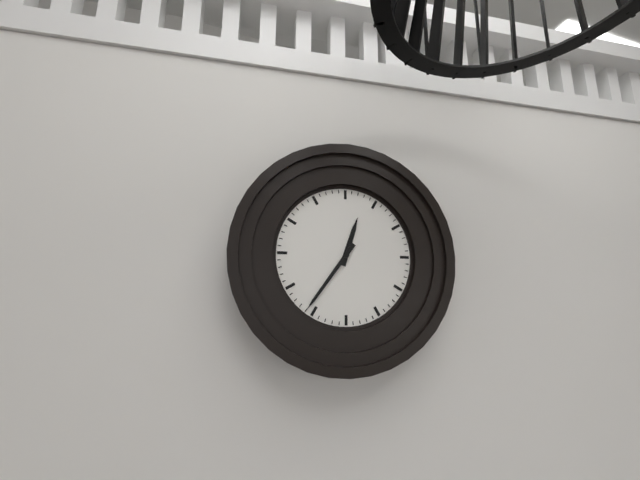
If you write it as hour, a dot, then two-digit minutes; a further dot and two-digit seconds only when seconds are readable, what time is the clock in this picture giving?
12.36
